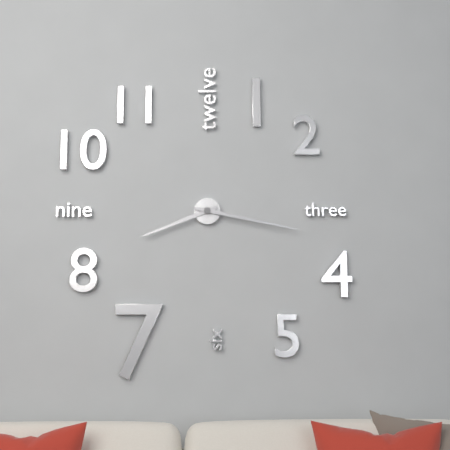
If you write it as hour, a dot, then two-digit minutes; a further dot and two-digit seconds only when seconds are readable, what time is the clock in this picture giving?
8.17
